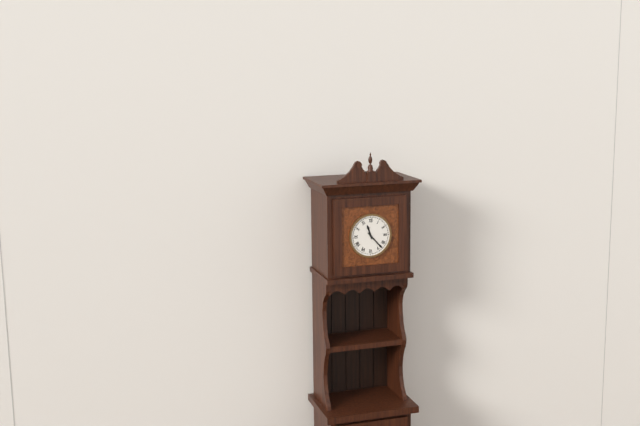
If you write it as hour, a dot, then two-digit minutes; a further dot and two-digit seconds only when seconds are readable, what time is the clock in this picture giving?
11.23
